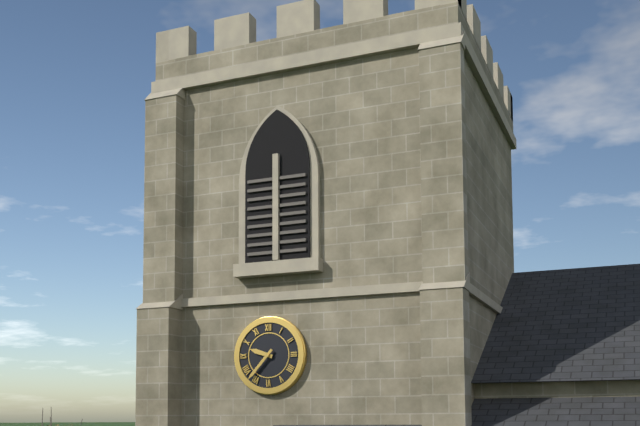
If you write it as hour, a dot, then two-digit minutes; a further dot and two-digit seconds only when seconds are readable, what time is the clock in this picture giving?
9.37
